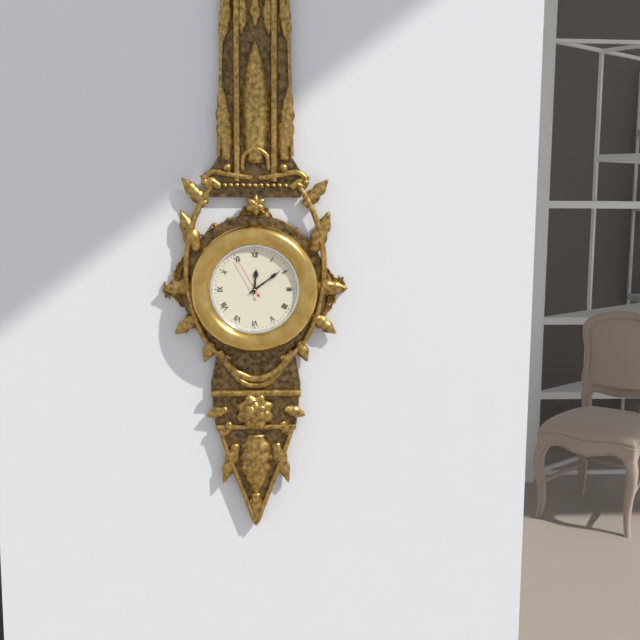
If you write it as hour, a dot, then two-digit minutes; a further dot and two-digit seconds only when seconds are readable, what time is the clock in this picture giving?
12.09
